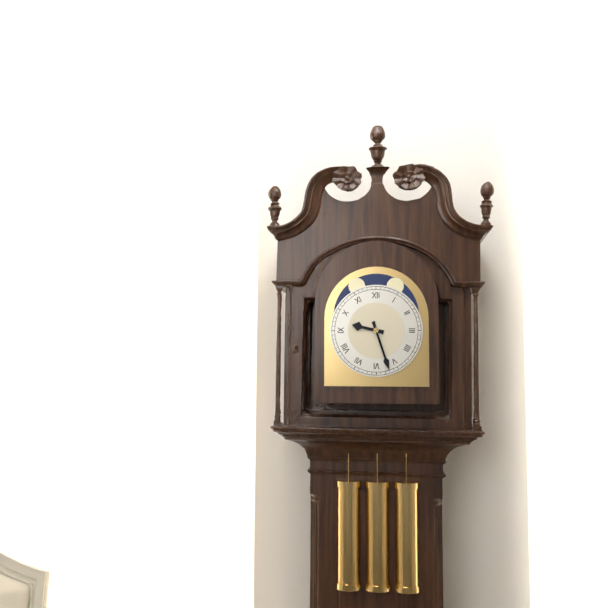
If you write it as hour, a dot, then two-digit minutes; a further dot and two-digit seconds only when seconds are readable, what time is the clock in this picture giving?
9.27
